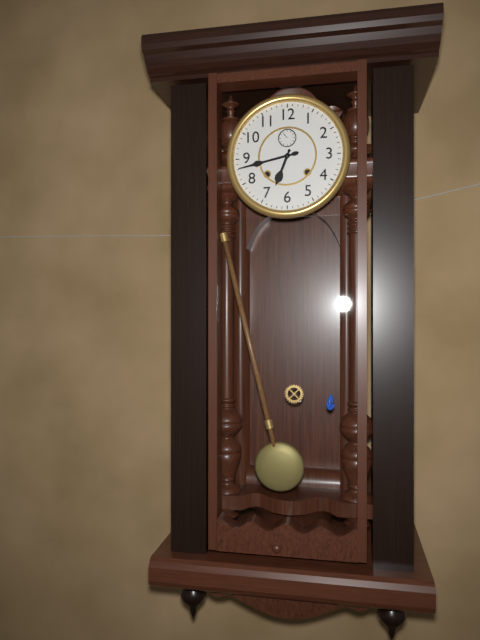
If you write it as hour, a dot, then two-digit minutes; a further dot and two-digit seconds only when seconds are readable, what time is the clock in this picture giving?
6.43
